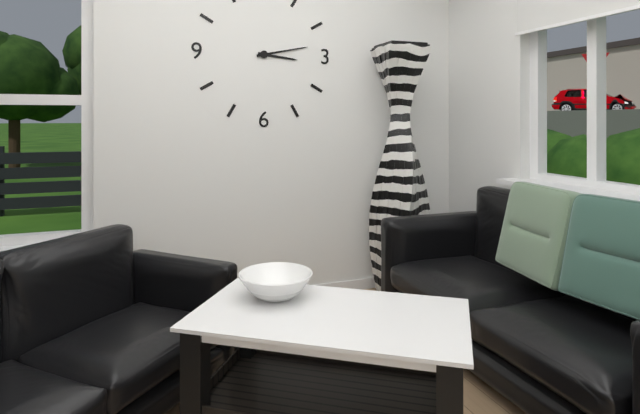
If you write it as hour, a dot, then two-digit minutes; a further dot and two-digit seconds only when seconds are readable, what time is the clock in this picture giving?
3.13
